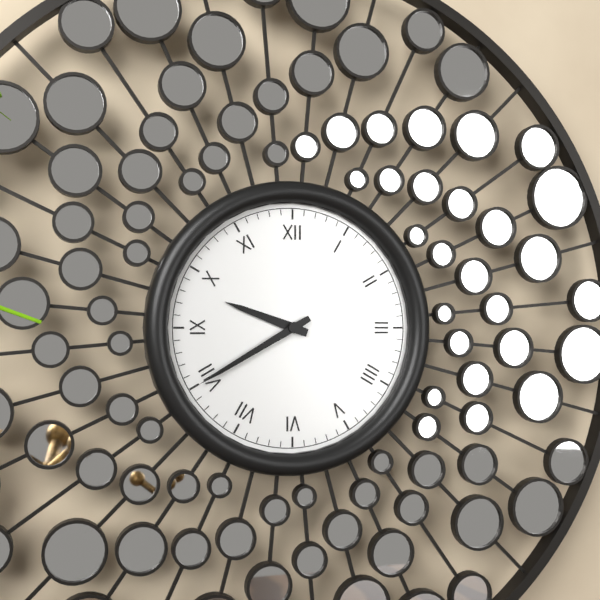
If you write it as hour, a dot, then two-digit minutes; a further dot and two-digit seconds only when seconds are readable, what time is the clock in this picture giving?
9.40
